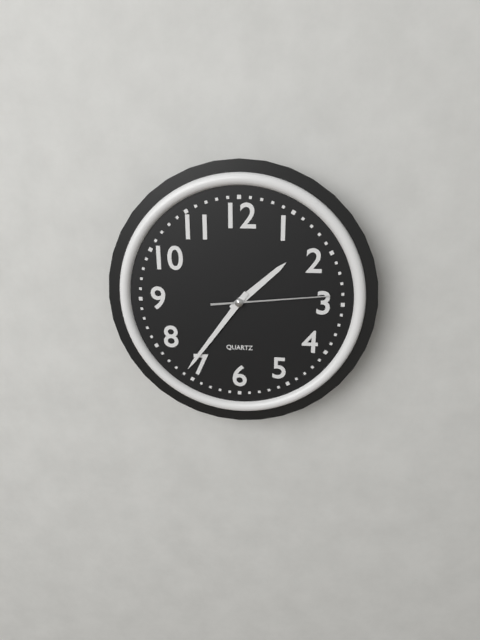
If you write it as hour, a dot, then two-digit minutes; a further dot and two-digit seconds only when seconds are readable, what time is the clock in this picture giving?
1.36.14
